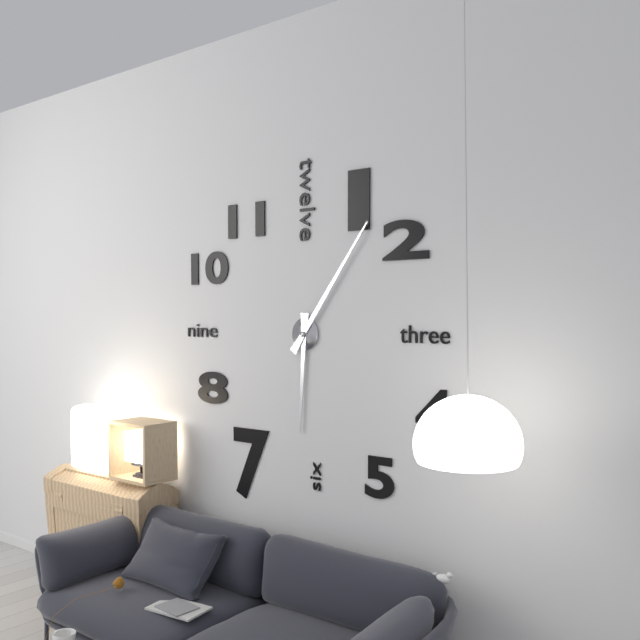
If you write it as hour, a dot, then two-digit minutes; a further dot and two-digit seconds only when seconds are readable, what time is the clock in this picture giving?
6.06
